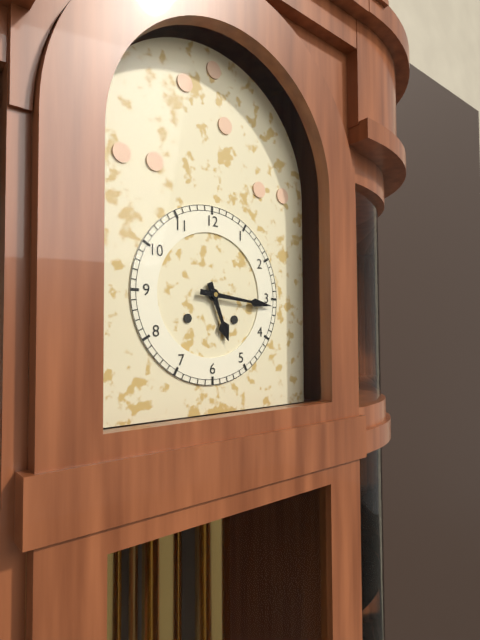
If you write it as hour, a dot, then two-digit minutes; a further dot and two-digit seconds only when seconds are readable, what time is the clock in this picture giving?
5.16
